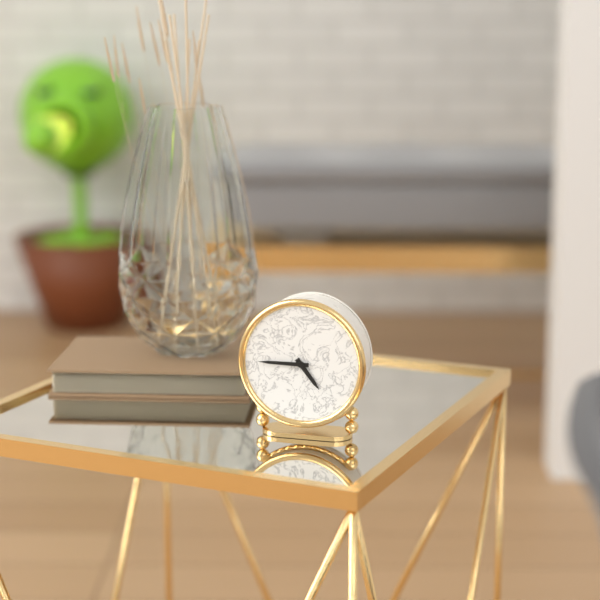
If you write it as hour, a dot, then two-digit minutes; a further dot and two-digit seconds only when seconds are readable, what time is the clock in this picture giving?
4.45
